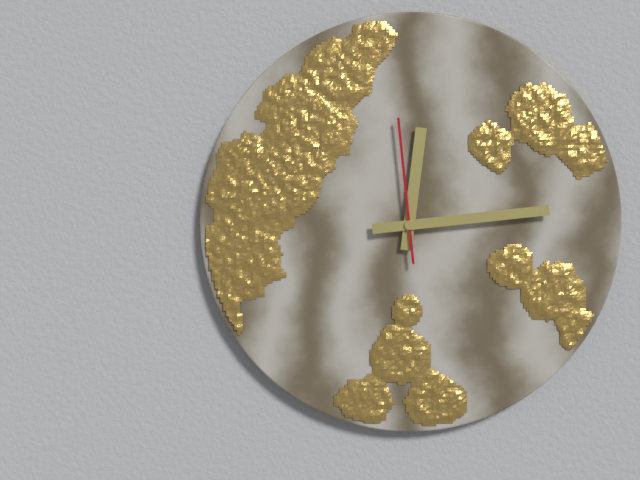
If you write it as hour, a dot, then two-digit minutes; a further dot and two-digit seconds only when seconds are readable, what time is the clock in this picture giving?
12.14.59
